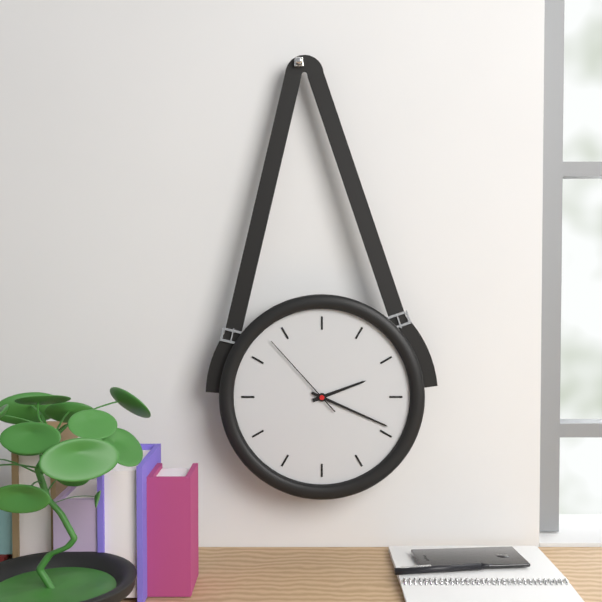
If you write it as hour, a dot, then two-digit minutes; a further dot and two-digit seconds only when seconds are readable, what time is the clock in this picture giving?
2.19.53
